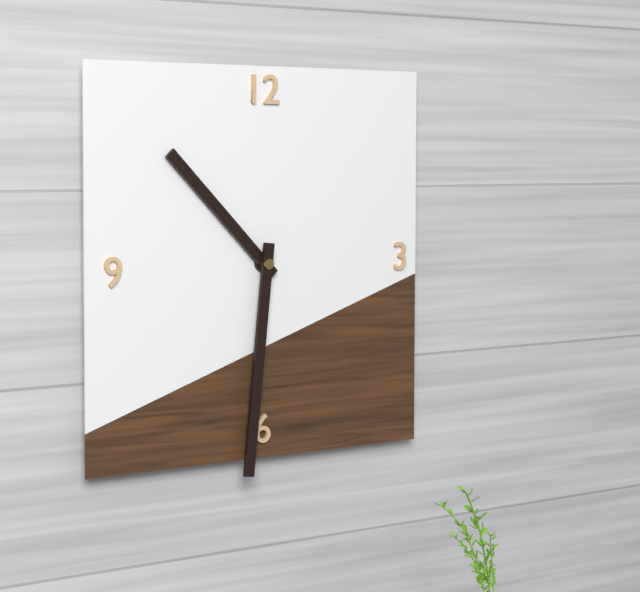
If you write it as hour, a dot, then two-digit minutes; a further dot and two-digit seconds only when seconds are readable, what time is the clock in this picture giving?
10.31
